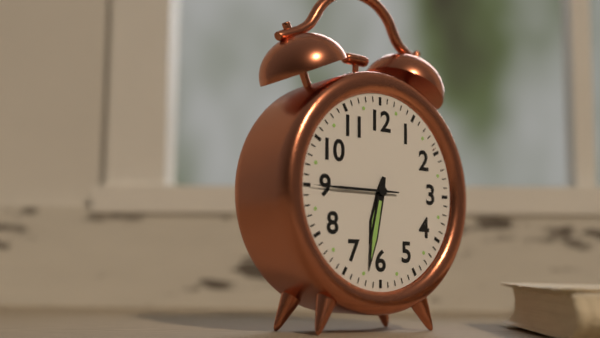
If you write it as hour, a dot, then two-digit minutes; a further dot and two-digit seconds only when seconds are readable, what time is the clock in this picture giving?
6.32.45
